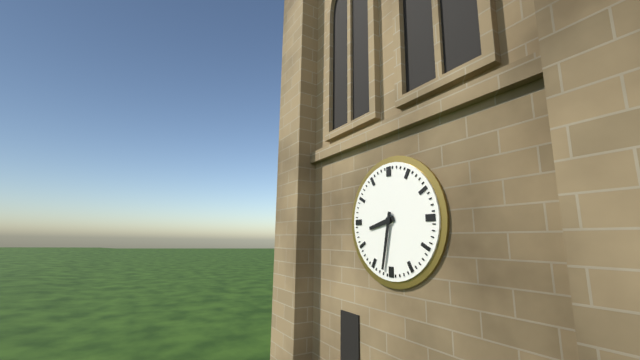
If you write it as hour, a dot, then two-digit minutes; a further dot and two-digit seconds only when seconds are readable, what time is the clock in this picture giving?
8.32
